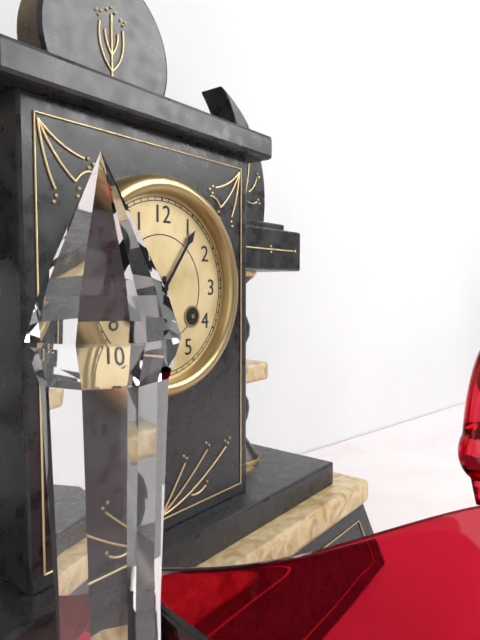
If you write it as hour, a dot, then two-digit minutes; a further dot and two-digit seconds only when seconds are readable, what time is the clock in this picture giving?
6.06
